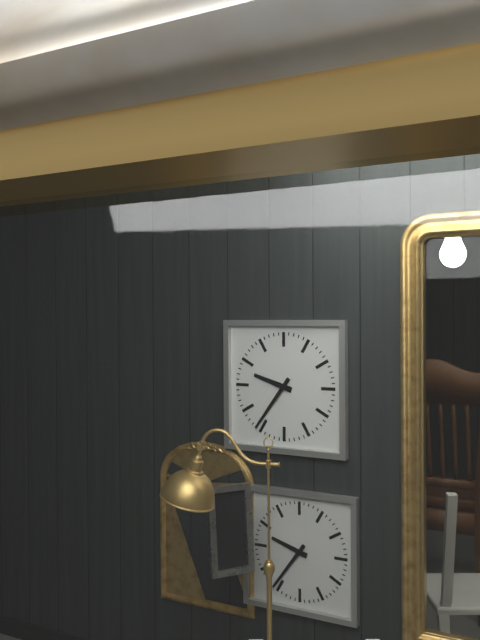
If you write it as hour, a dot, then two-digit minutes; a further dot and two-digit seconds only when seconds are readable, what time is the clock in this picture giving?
9.36
